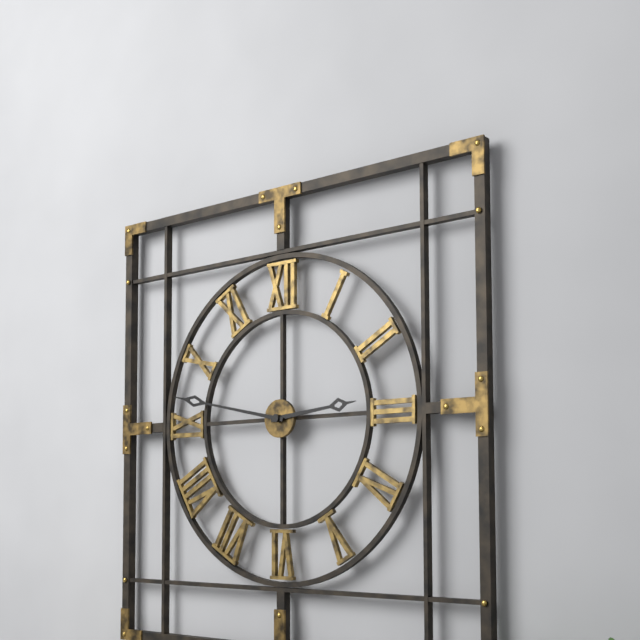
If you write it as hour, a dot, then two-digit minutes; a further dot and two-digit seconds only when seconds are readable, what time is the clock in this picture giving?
2.47
